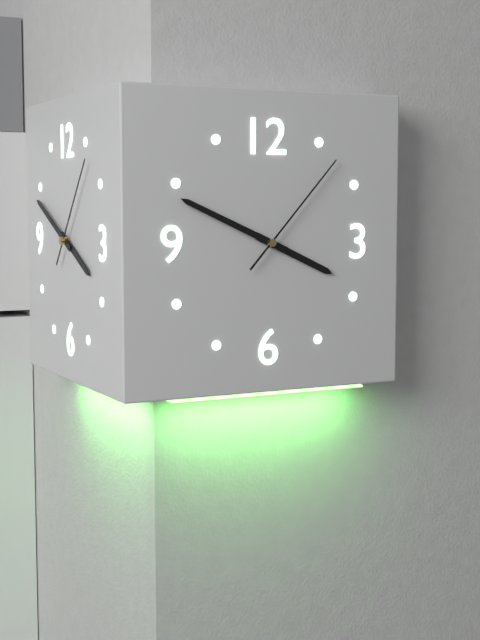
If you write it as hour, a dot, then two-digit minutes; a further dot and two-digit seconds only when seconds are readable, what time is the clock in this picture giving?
3.49.07
